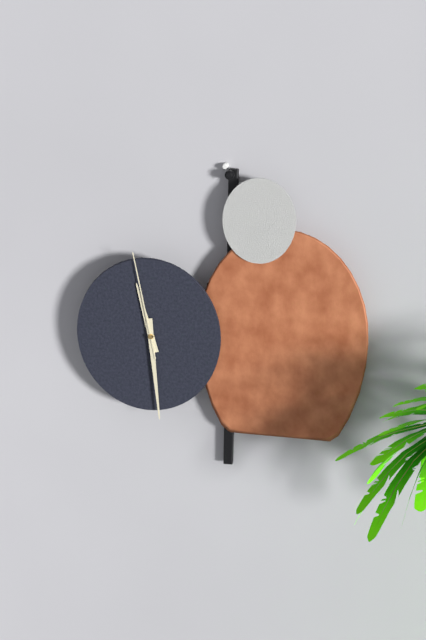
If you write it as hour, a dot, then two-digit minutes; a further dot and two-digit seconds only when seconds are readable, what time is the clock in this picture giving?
11.29.58
